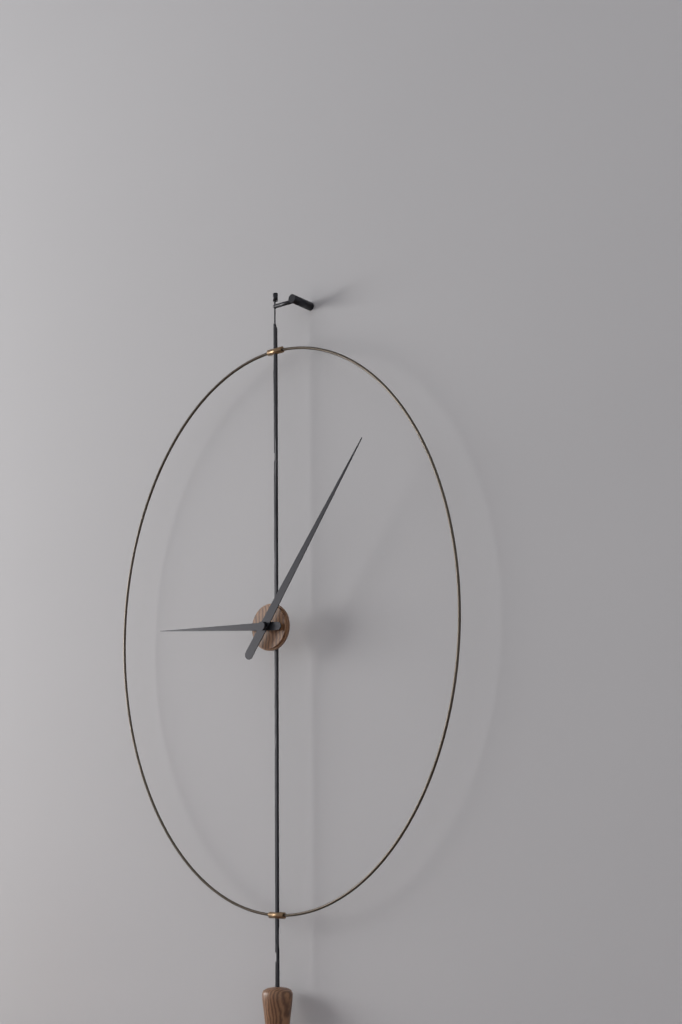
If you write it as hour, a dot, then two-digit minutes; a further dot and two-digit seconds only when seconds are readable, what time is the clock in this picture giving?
9.06
